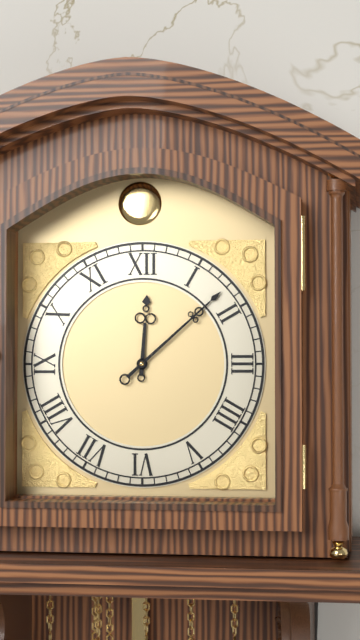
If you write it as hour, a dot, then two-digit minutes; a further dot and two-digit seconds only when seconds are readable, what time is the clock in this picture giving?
12.08
